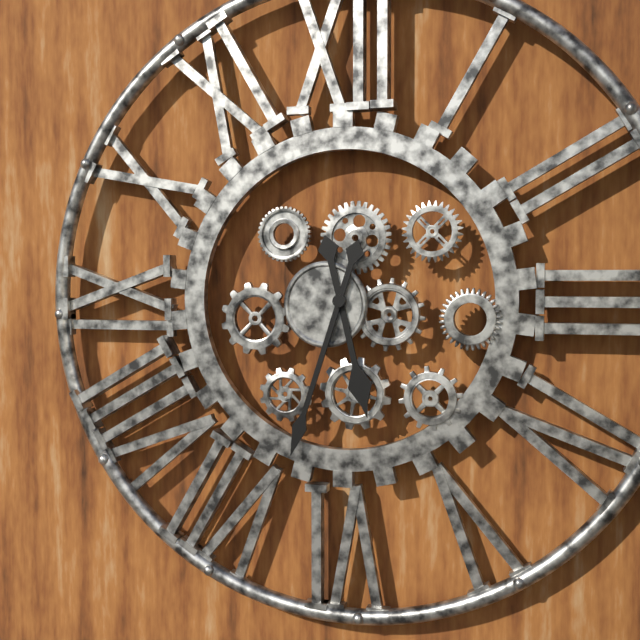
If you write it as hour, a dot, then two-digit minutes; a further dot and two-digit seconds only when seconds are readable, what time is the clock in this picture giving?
5.33
